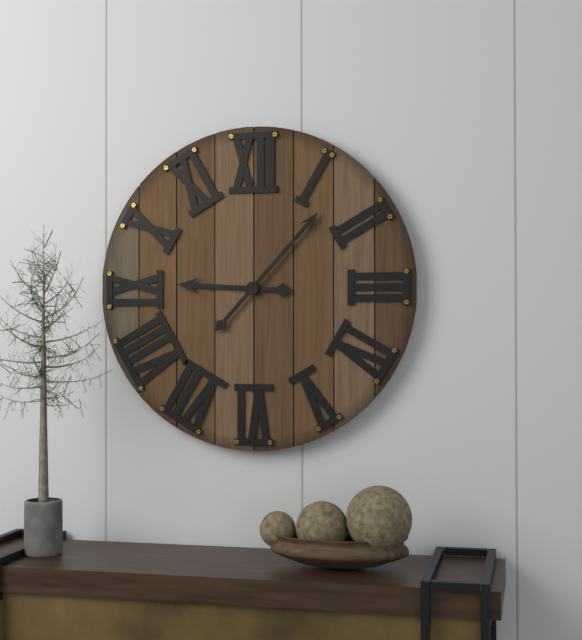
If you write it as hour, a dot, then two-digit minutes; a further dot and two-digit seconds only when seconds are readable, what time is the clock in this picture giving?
9.07
